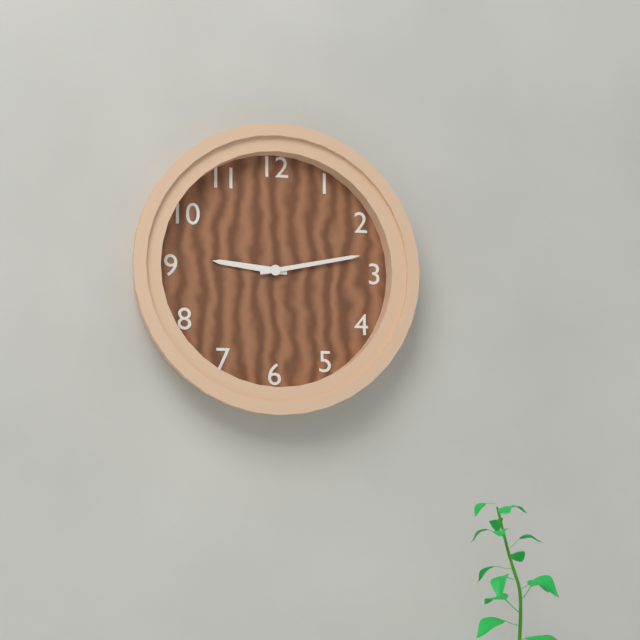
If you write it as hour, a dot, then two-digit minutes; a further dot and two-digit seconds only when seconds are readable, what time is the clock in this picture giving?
9.13
